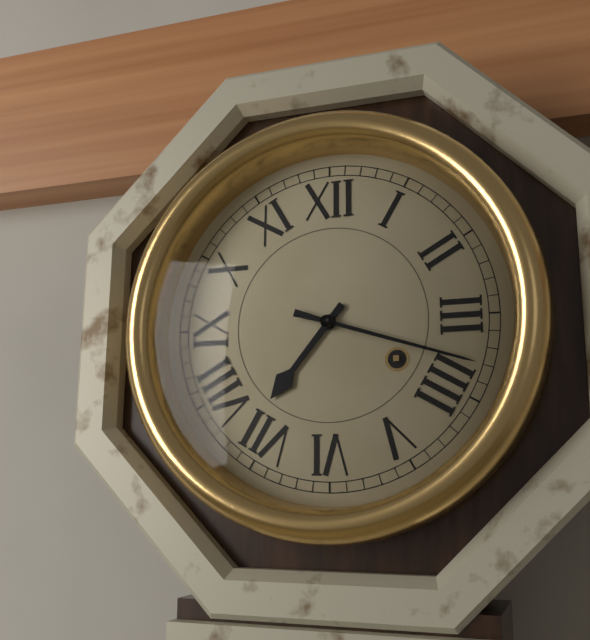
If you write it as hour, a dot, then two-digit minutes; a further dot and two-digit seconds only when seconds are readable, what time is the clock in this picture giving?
7.18
